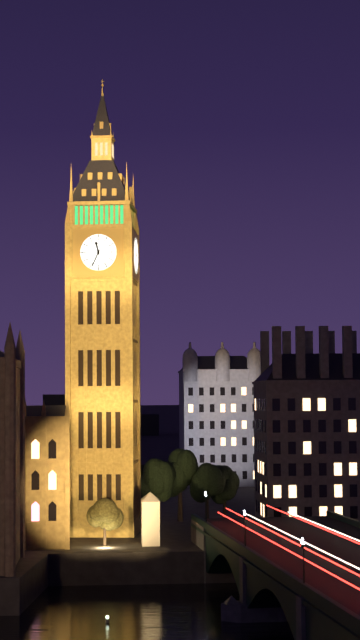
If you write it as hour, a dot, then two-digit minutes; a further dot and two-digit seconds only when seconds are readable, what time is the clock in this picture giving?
11.34
